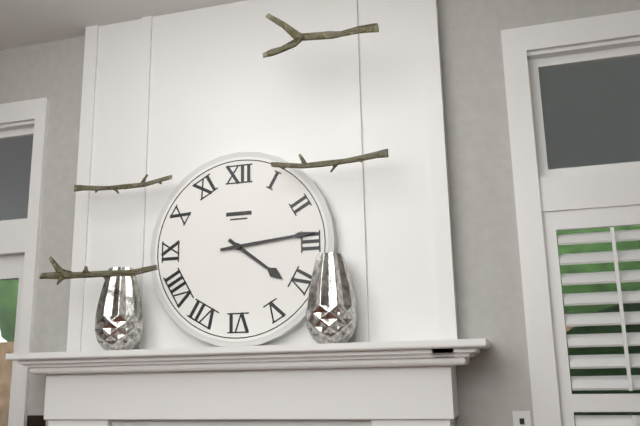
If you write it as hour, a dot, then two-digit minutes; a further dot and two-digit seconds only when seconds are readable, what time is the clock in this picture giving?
4.14
